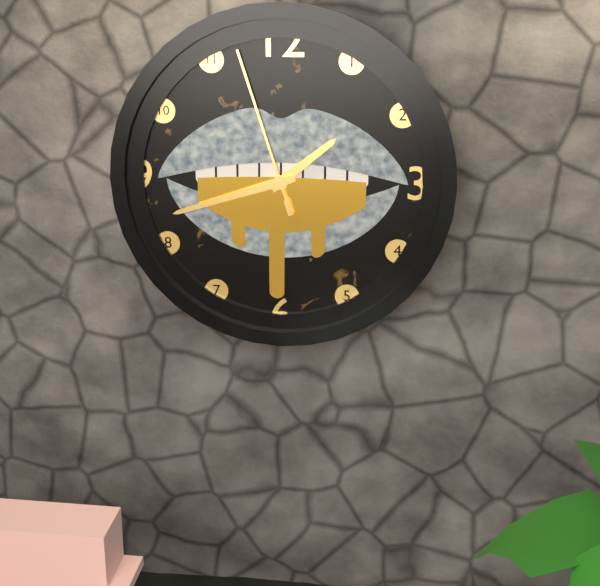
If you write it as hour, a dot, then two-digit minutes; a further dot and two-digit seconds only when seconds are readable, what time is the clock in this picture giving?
1.42.57
